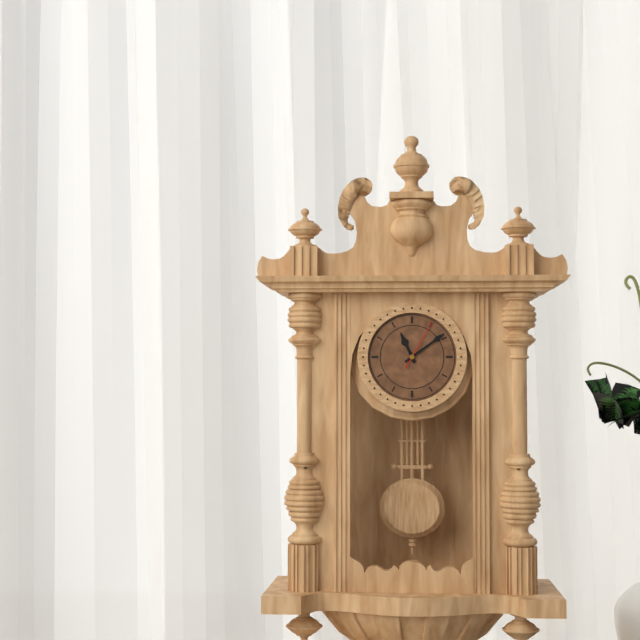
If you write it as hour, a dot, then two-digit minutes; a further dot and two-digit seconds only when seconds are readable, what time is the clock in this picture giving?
11.09.05
